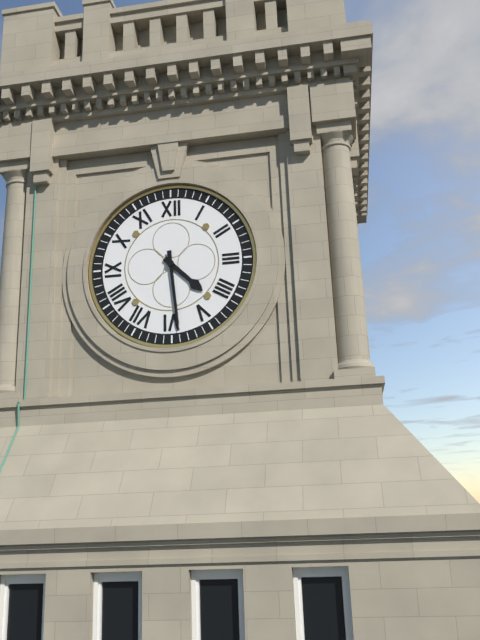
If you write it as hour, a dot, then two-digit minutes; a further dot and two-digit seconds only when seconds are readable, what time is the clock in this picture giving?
4.29
